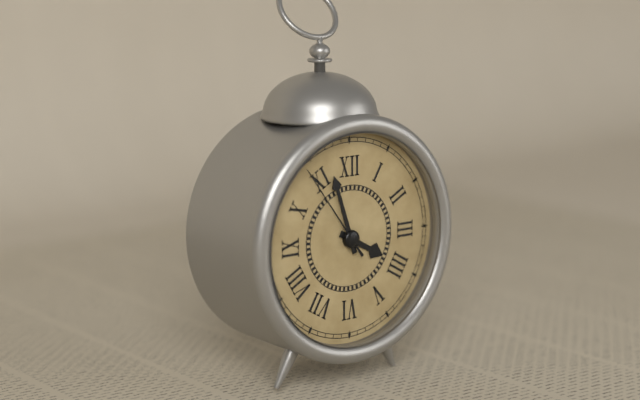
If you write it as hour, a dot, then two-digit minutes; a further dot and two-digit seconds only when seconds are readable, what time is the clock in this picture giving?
3.57.54
